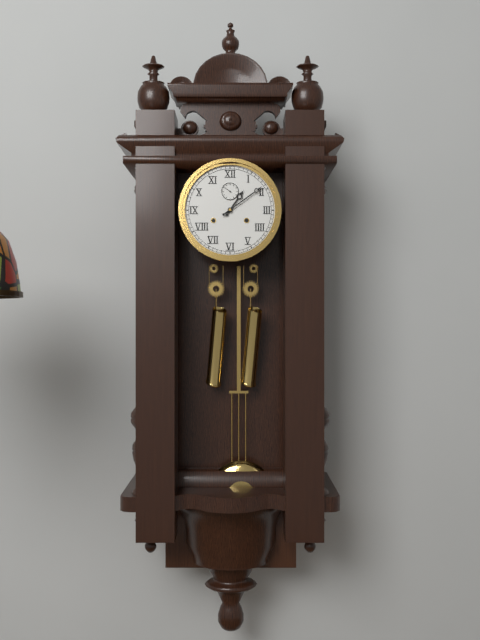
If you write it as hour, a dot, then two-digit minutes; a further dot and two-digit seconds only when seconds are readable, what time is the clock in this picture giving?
1.09
